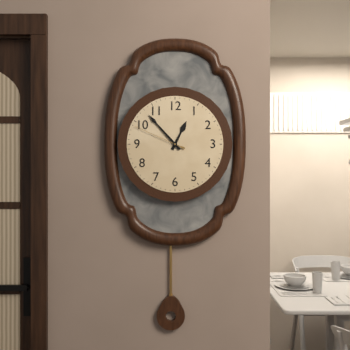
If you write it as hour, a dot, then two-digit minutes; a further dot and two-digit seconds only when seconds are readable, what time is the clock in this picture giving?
12.53.49
